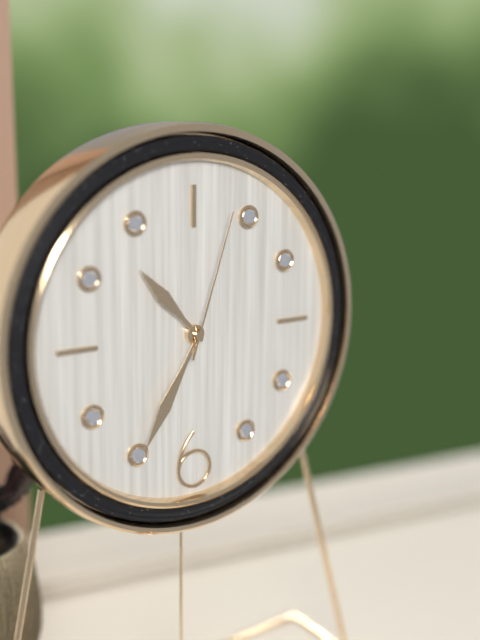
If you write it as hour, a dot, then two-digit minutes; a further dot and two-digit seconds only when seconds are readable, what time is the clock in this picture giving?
10.35.03
